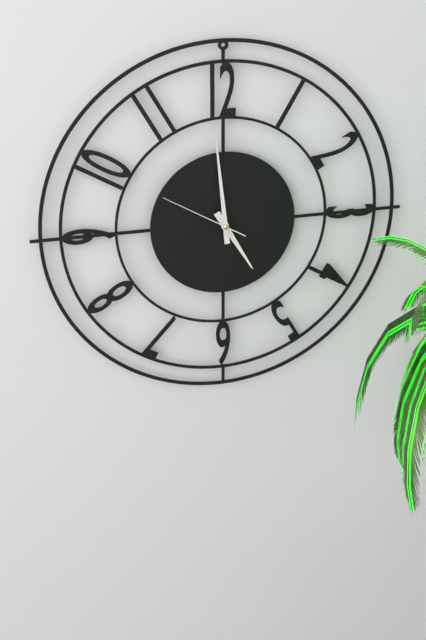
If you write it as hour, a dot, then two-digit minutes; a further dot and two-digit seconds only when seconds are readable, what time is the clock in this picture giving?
4.59.50
